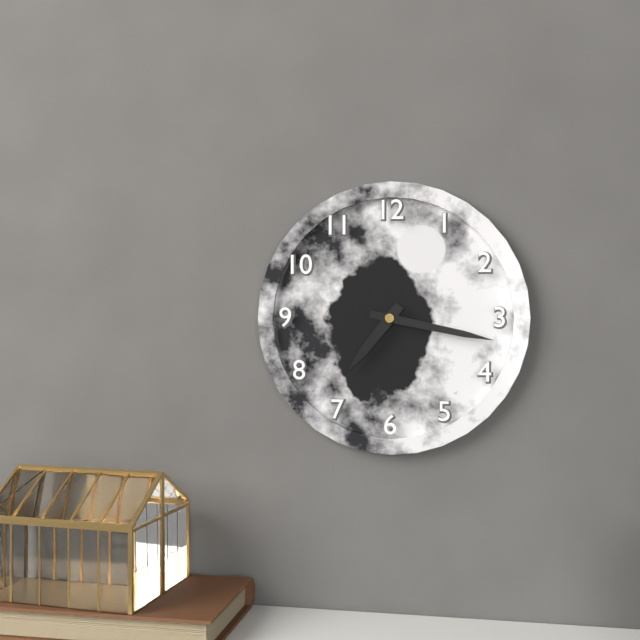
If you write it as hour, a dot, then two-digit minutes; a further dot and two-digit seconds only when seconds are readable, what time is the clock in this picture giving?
7.17
